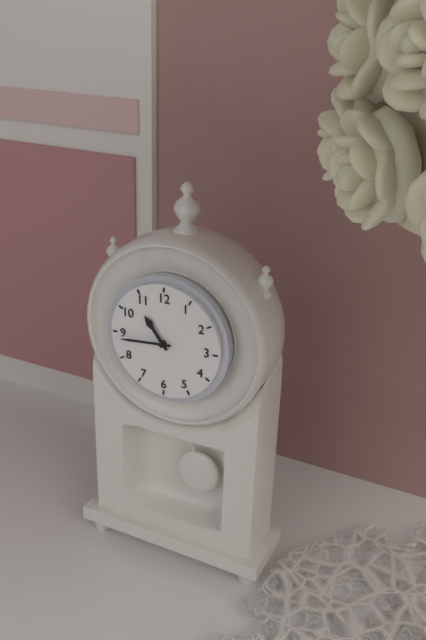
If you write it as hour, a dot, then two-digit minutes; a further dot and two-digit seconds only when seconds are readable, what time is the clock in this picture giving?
10.44
